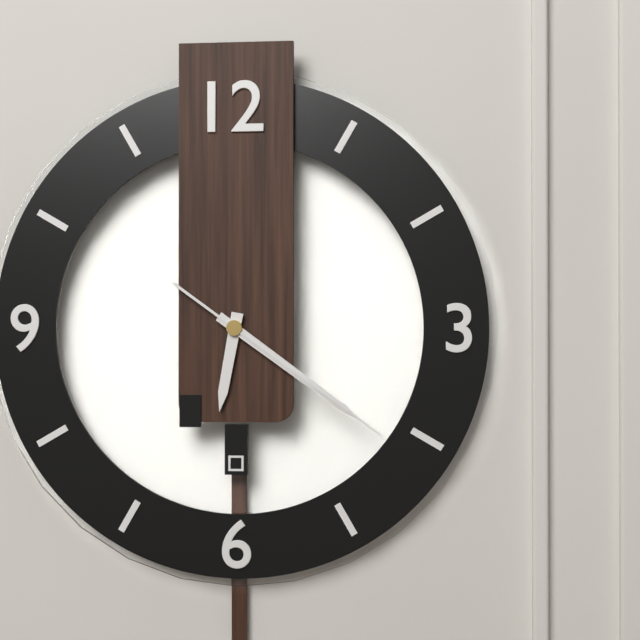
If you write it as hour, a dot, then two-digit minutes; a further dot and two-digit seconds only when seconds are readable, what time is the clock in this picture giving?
6.21.21
